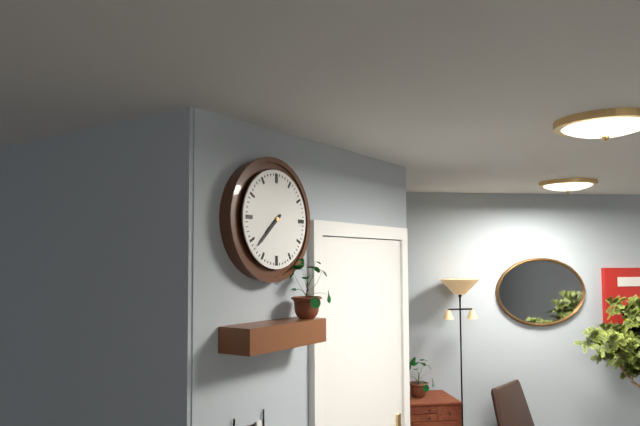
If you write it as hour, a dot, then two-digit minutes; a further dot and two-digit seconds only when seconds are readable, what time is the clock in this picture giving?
7.38
